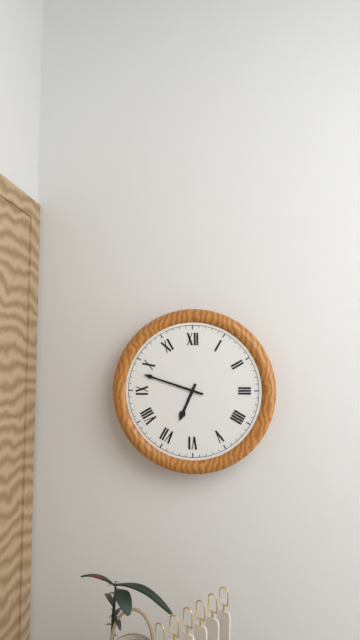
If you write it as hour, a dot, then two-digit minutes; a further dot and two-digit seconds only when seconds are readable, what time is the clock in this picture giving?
6.48
